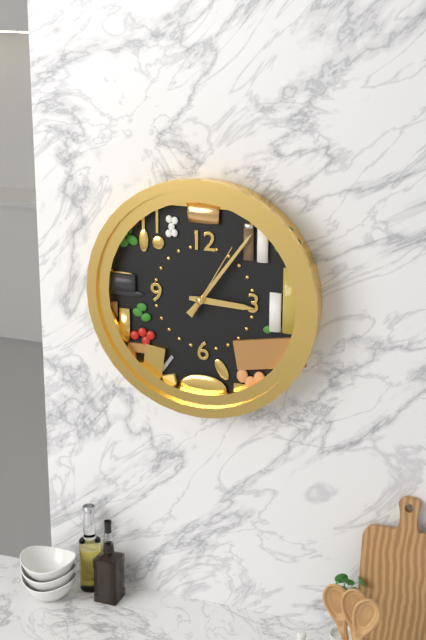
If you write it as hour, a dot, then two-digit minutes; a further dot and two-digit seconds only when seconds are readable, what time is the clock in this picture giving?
3.06.05
